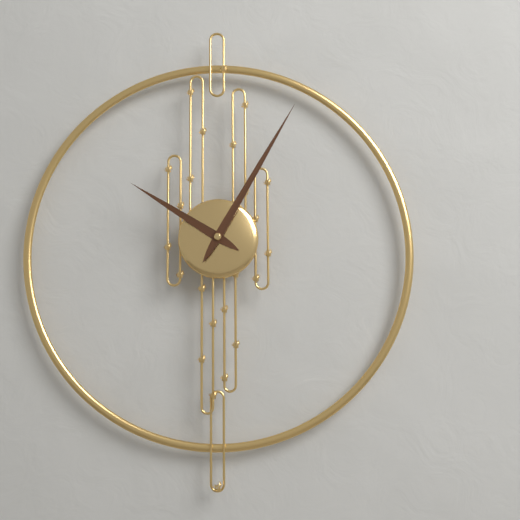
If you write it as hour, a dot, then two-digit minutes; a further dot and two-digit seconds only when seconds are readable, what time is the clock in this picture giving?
10.05
